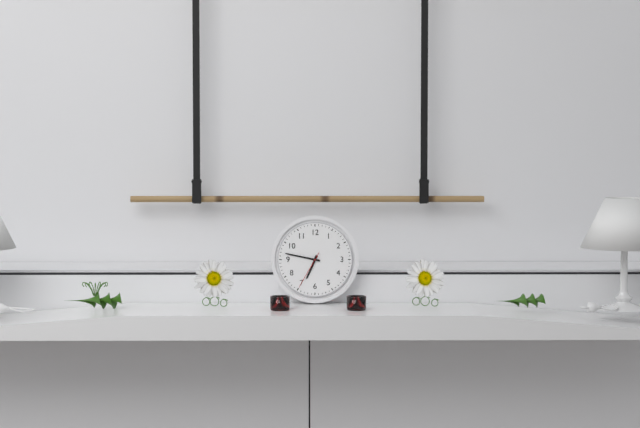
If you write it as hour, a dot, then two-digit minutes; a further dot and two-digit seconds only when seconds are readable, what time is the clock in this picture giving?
6.47
